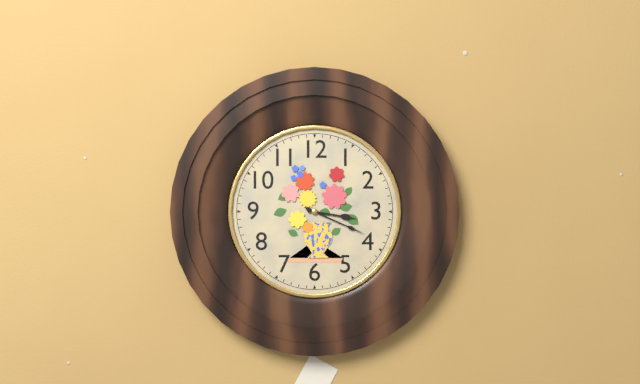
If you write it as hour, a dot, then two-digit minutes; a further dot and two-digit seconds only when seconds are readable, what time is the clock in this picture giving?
3.19
